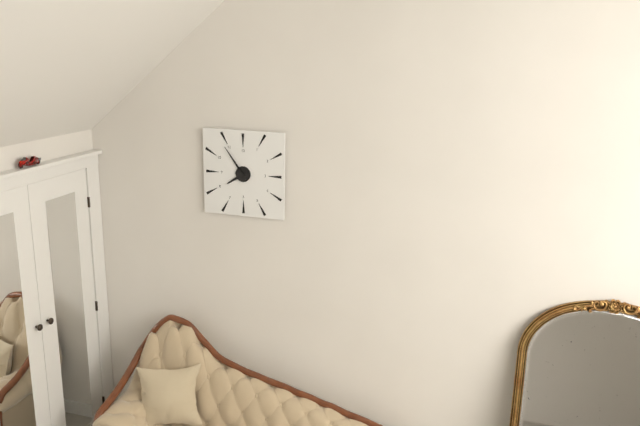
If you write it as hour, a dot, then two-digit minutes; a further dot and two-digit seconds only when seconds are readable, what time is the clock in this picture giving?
7.54
